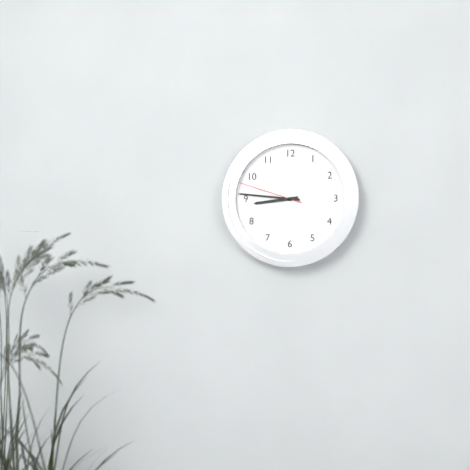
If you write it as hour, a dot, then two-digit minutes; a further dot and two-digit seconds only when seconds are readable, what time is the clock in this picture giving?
8.46.48
